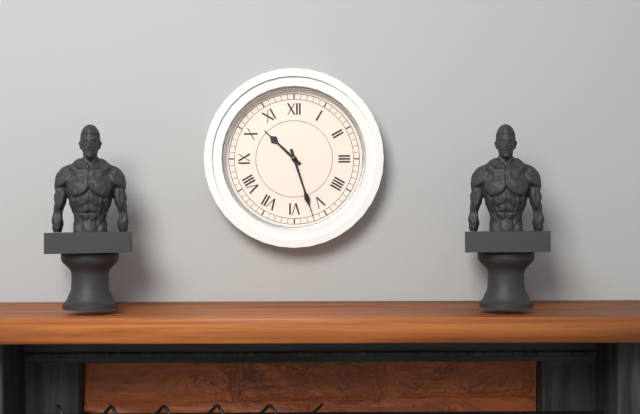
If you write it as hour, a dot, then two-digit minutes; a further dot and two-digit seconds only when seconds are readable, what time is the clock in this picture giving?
10.27
